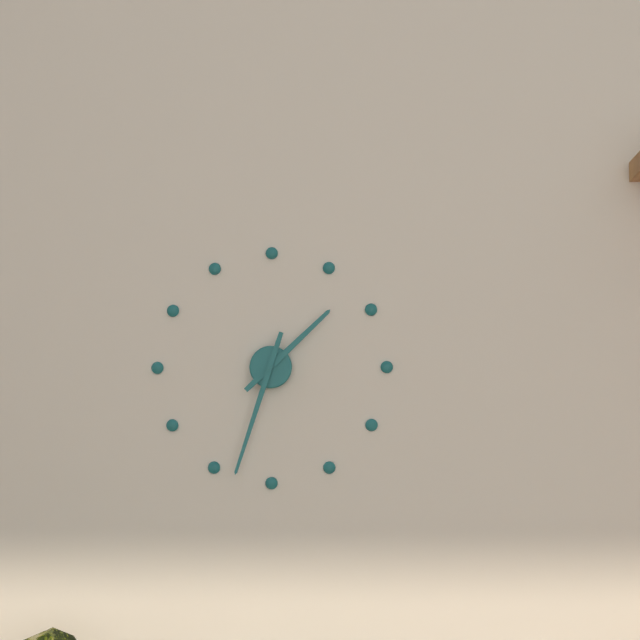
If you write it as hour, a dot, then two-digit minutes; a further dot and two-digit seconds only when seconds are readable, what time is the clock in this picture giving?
1.33
